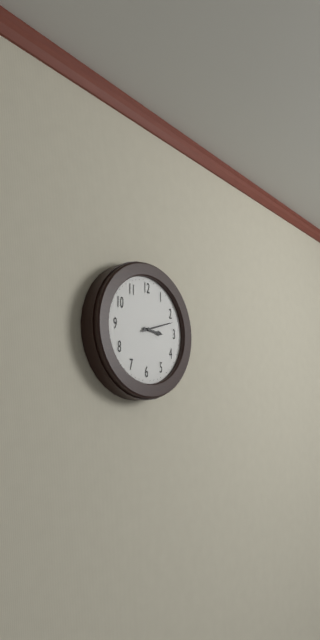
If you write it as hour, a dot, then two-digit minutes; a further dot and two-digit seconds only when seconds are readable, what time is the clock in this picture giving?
3.12
